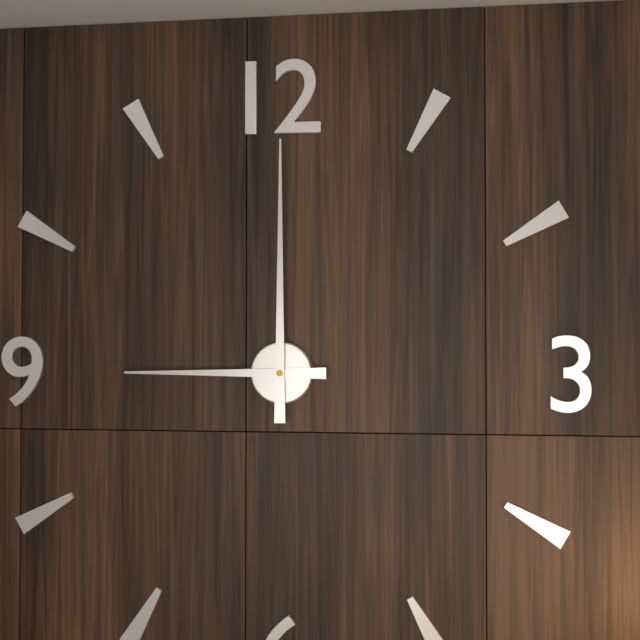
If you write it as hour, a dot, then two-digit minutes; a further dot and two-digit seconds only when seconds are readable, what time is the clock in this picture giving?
9.00
